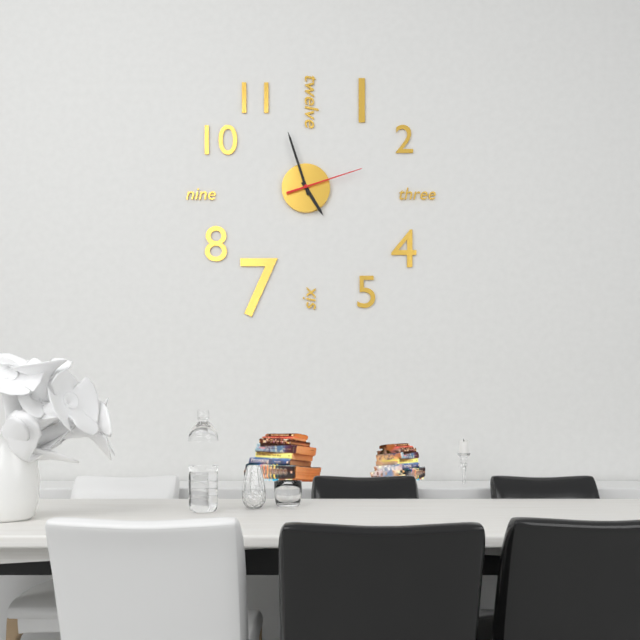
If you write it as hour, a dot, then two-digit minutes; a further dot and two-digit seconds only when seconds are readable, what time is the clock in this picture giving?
4.57.12
